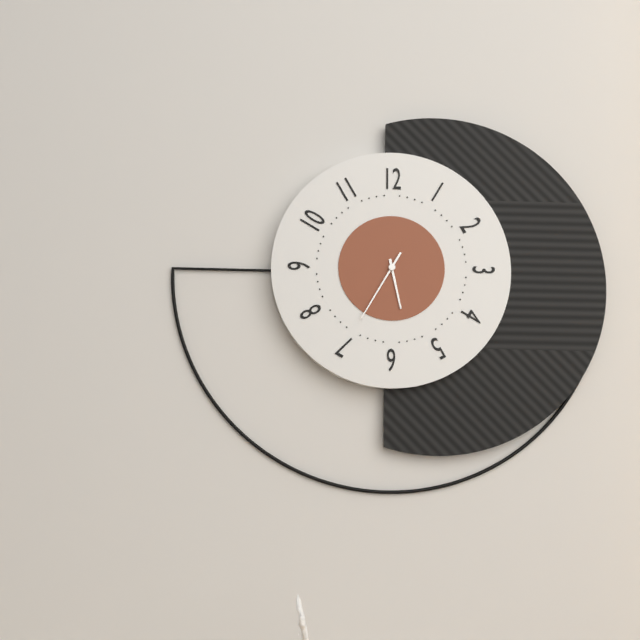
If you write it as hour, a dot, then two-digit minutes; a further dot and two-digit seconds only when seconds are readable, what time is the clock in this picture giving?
5.35
